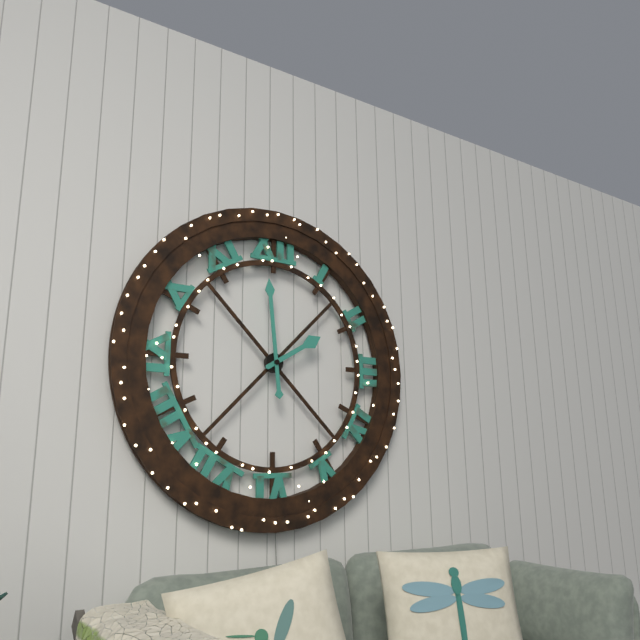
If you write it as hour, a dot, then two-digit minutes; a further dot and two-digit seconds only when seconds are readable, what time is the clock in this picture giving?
1.59
